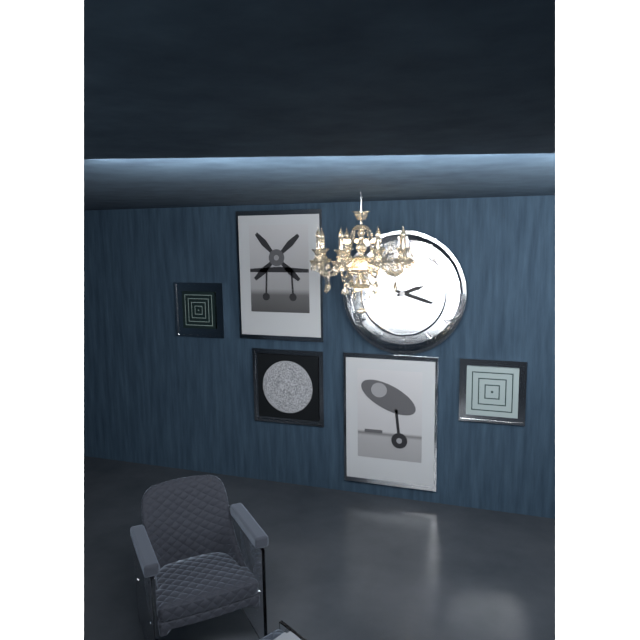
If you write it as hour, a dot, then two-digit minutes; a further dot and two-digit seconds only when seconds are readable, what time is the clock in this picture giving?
2.18
